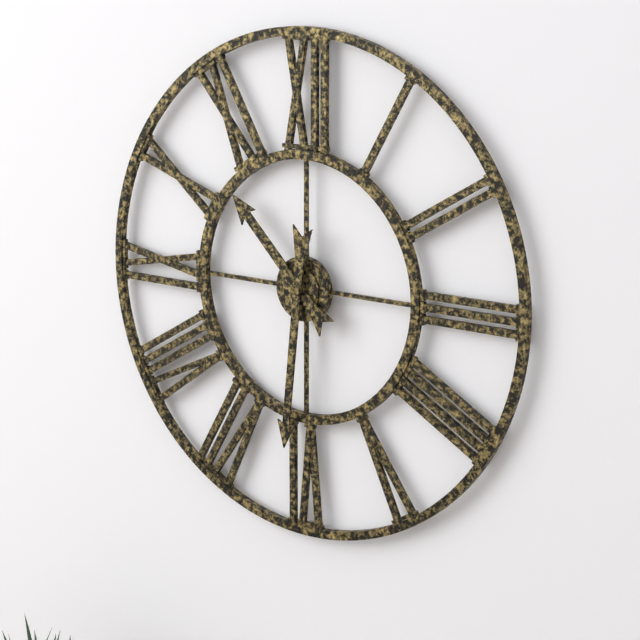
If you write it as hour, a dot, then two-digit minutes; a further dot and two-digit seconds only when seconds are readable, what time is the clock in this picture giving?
10.31
